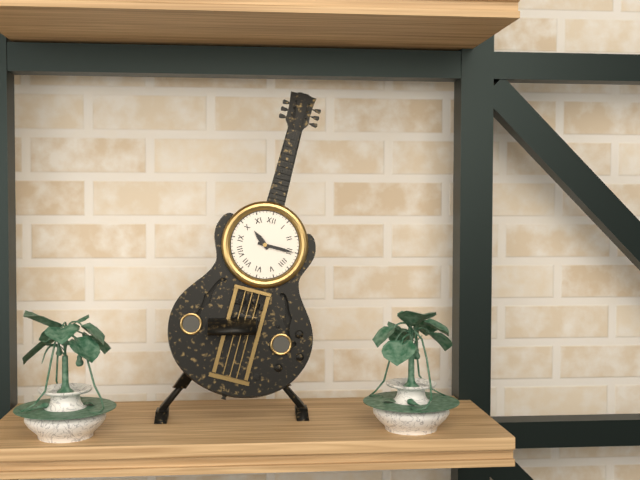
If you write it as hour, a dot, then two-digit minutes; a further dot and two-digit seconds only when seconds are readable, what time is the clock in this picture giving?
10.15
